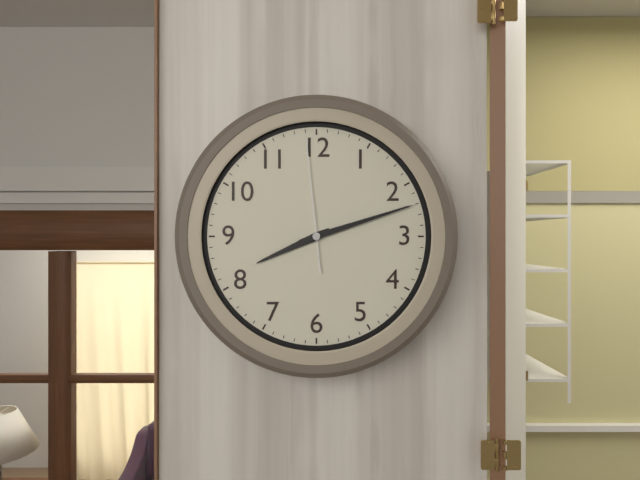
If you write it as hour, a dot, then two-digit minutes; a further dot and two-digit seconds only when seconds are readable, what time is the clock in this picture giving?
8.12.59
